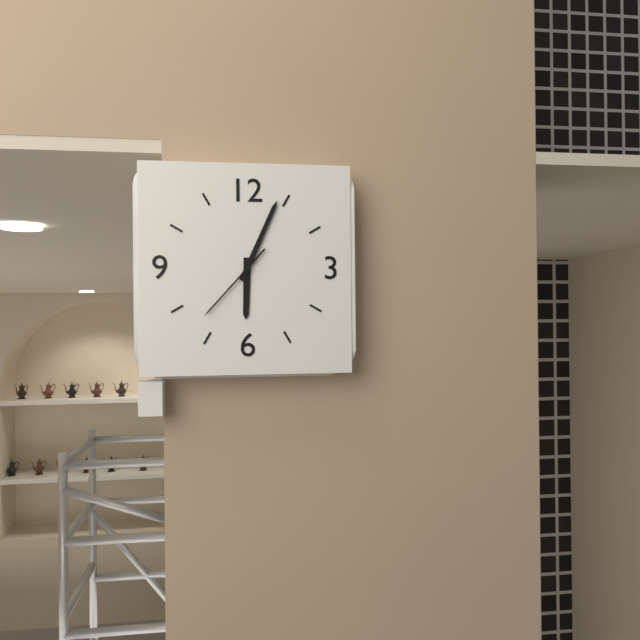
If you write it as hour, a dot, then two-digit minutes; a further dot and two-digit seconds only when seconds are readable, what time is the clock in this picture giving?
6.04.37
